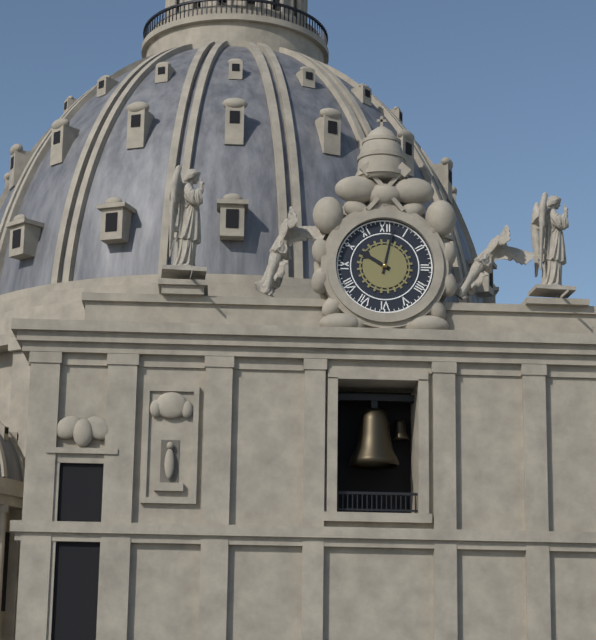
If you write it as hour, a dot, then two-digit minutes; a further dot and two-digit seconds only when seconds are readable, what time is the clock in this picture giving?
10.02
